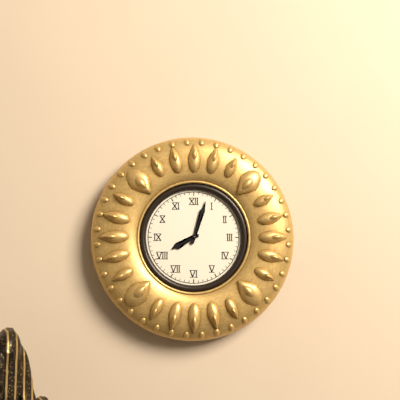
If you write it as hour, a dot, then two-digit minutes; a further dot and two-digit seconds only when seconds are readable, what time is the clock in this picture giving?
8.03
